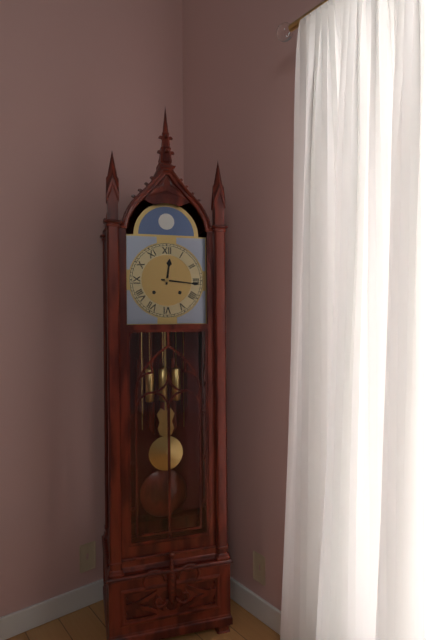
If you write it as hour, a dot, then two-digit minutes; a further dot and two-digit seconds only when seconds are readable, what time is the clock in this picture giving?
12.16
